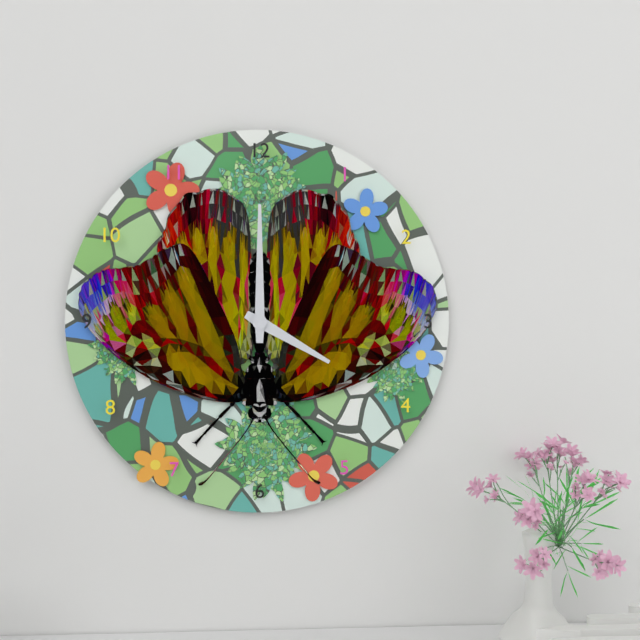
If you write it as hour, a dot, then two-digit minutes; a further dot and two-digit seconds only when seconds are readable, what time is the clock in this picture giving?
4.00
